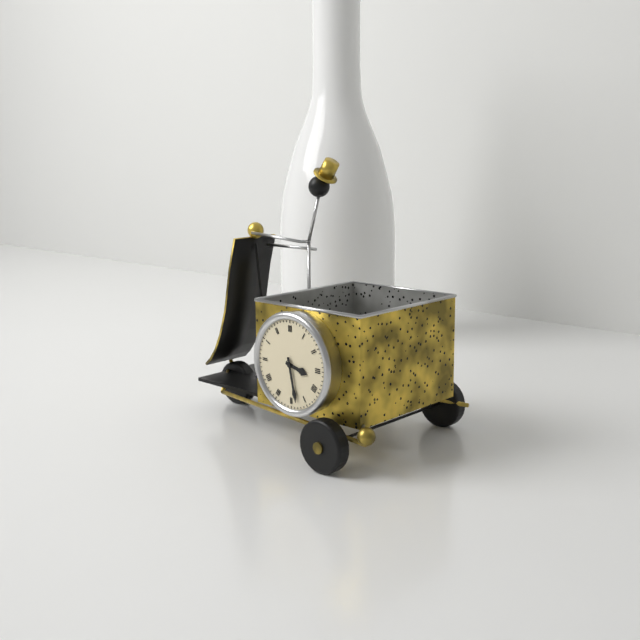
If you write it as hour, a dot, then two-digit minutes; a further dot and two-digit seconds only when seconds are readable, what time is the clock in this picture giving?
3.28
